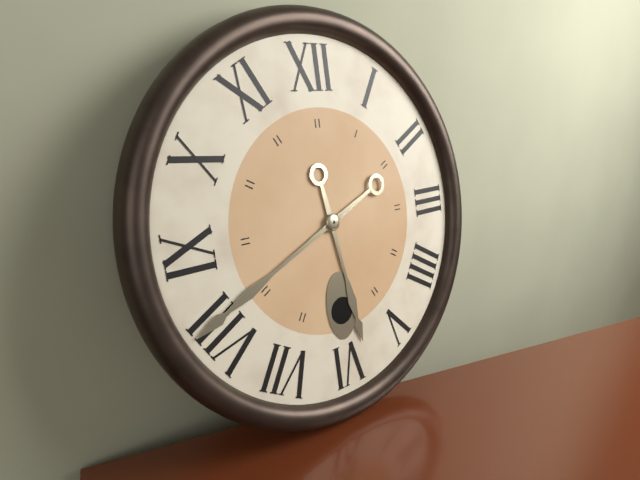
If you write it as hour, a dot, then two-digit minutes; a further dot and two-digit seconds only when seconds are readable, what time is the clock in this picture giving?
5.41
